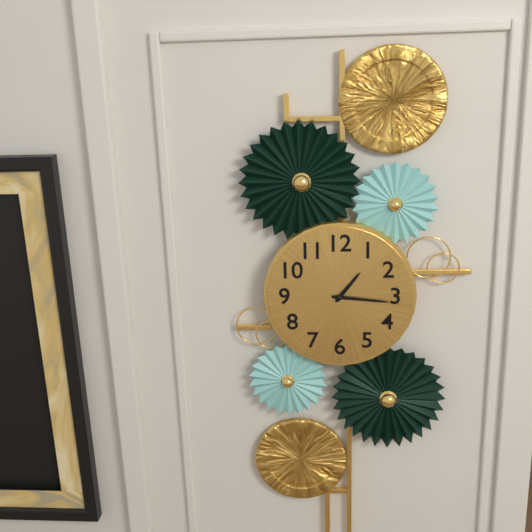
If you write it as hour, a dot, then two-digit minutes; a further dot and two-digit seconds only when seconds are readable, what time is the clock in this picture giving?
1.16
